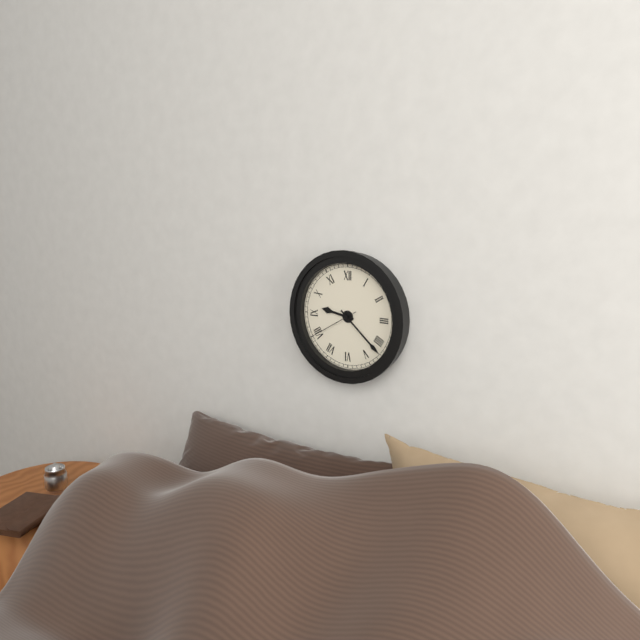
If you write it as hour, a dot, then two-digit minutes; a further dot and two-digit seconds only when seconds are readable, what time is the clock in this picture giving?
9.22.40
